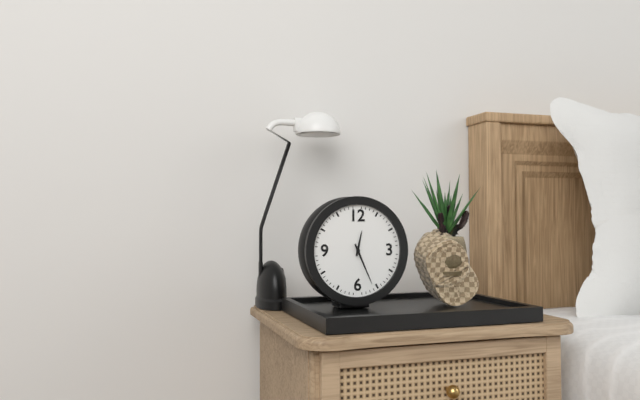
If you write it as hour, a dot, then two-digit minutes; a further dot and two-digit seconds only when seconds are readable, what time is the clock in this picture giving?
12.26
